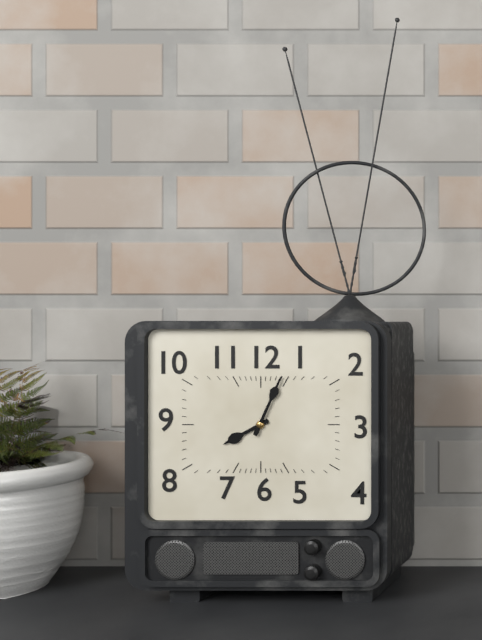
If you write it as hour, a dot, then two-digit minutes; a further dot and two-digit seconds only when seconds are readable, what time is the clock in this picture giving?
8.04
